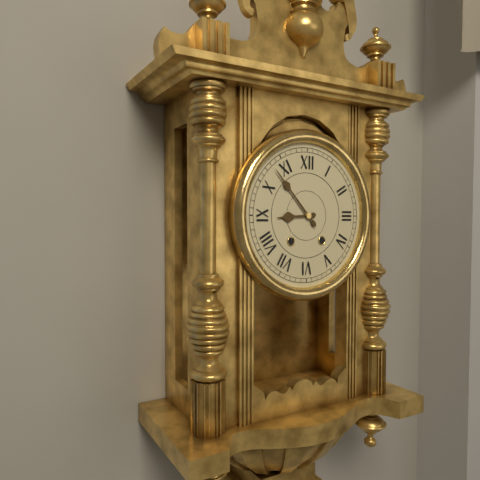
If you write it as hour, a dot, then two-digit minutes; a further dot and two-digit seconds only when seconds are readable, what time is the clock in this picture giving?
8.53
